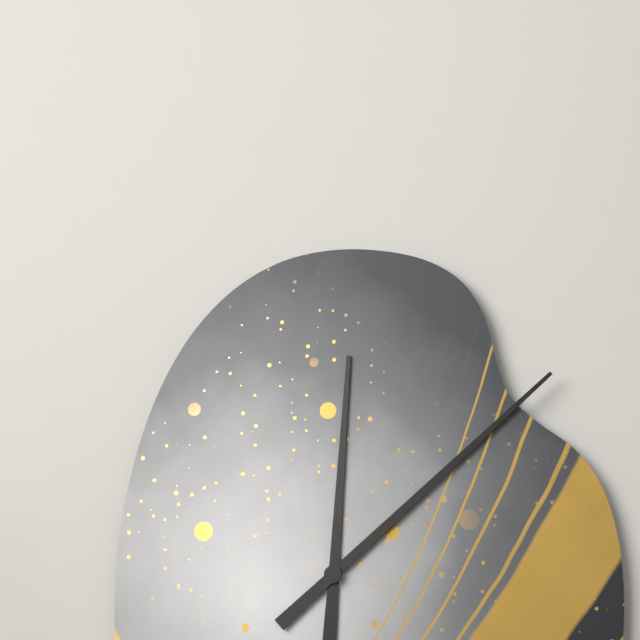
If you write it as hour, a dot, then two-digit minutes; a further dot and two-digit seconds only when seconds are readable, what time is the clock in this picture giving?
12.08
